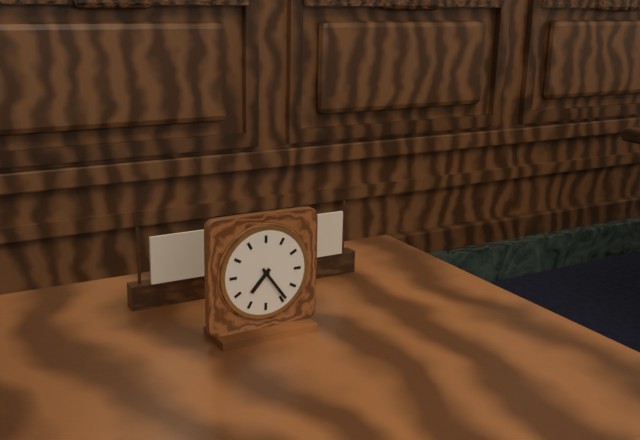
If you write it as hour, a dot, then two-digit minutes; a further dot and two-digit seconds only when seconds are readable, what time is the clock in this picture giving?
7.24
